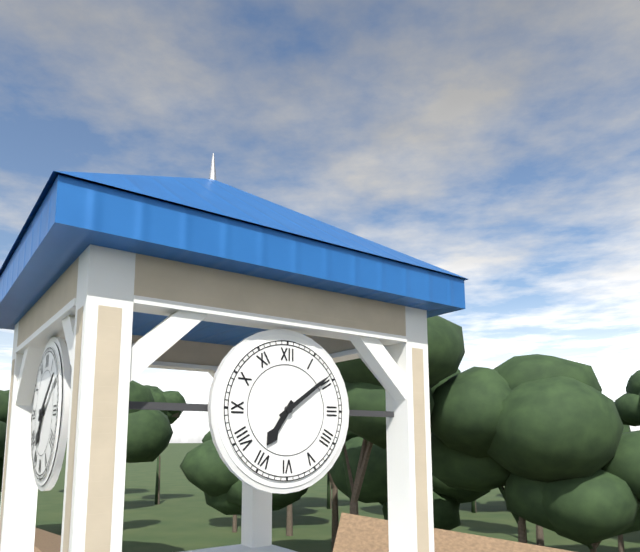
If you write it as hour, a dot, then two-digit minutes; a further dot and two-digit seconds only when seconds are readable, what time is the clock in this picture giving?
7.09
